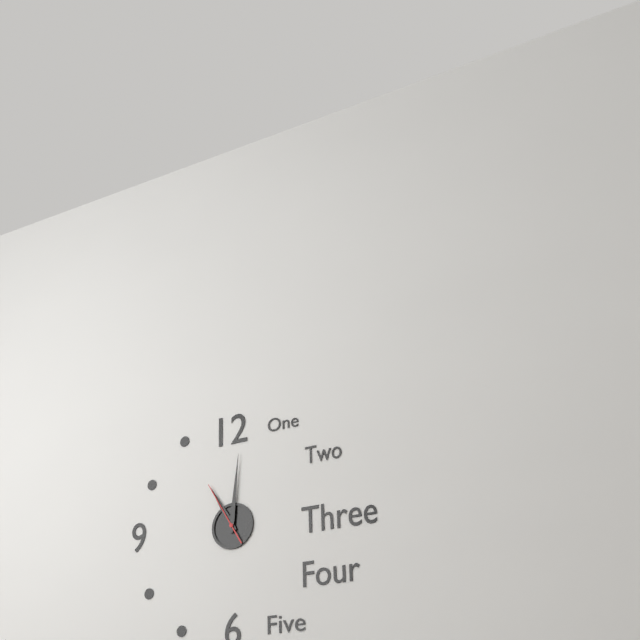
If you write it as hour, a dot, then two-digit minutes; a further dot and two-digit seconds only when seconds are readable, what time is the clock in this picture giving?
11.01.55
